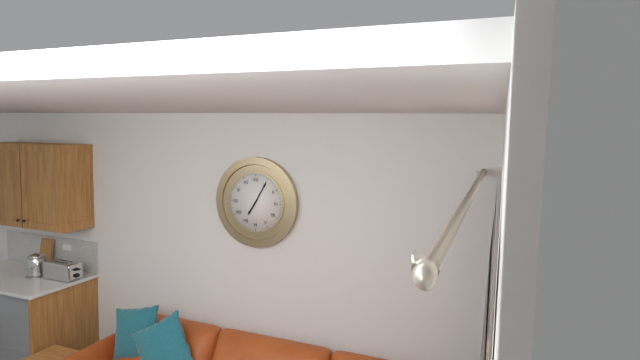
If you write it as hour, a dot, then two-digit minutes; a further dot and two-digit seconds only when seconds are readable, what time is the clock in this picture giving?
7.05
